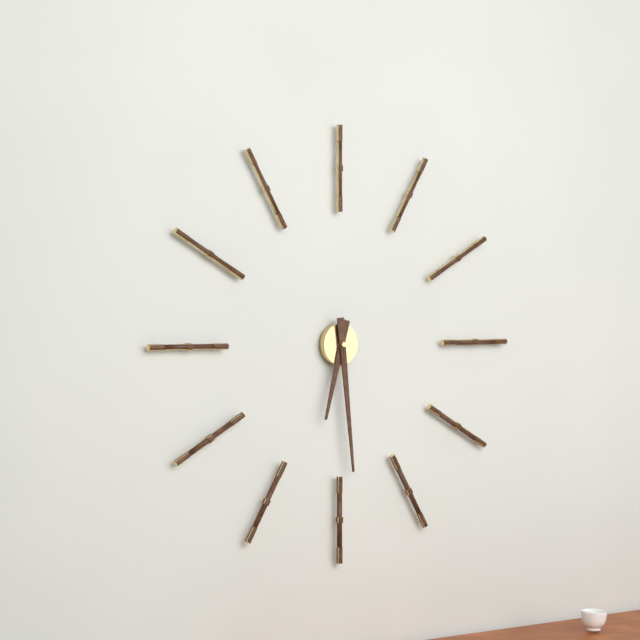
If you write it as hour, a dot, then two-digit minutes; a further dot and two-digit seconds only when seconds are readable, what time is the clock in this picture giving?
6.29
